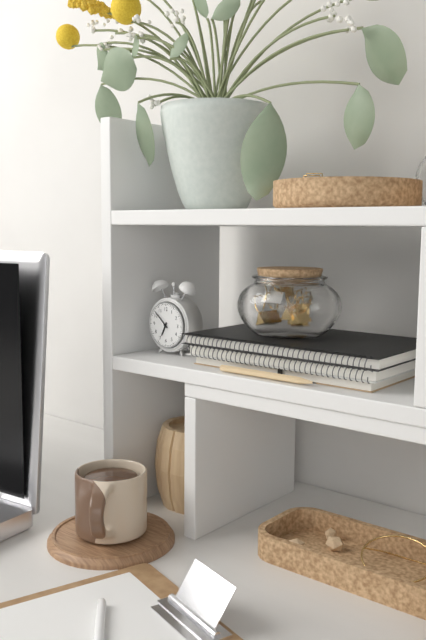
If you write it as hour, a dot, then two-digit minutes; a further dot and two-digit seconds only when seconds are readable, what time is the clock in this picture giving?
6.52
